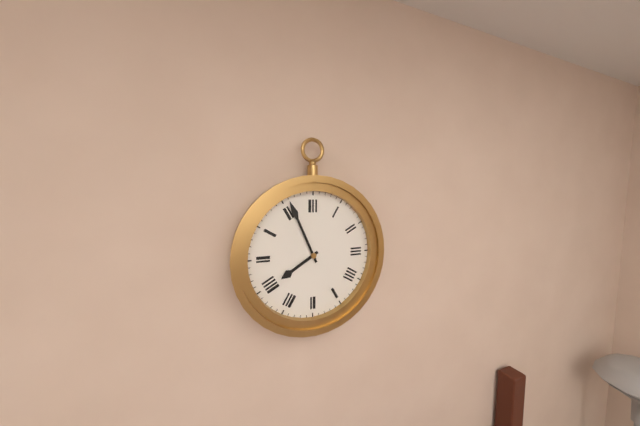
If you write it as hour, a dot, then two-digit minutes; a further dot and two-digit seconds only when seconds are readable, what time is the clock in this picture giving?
7.56
